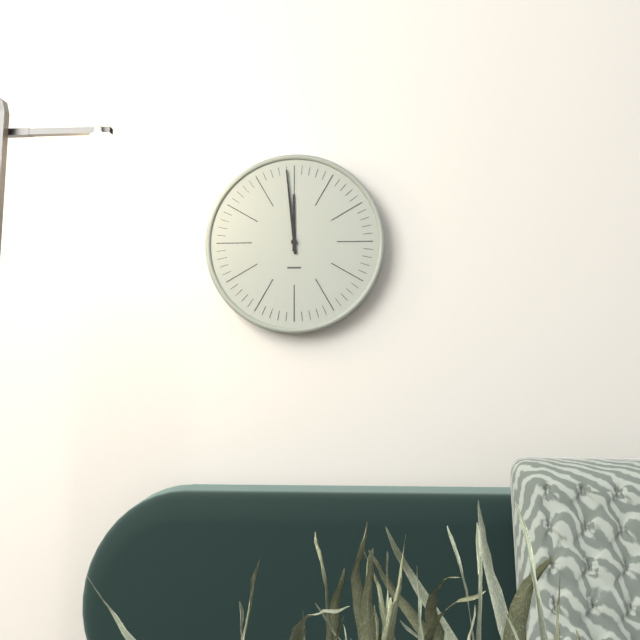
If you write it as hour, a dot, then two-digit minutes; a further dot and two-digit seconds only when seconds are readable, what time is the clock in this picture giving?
11.59
